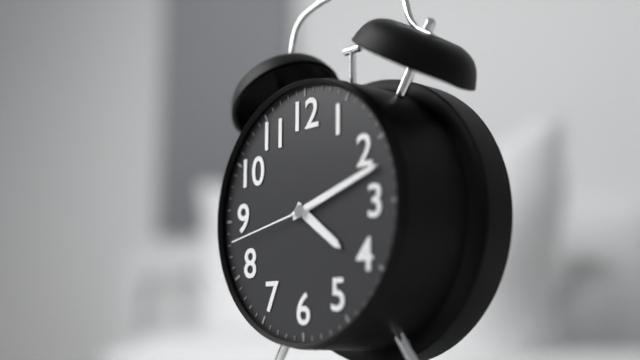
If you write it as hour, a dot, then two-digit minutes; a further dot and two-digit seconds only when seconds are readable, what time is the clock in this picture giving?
4.12.43
